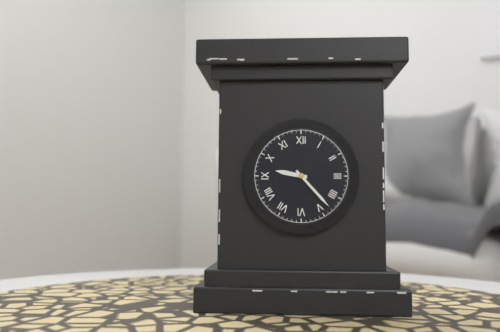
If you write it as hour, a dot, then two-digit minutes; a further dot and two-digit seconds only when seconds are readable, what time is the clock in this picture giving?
9.23
